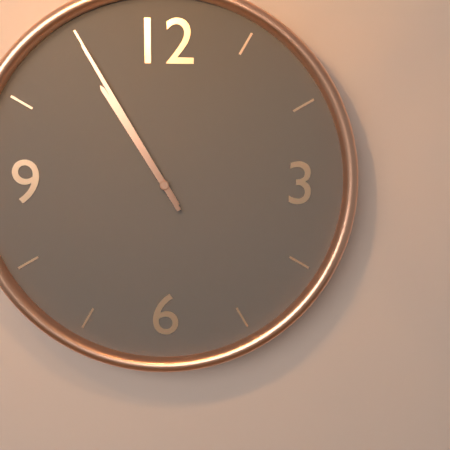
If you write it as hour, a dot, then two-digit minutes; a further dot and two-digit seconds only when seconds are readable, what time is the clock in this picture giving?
10.55
